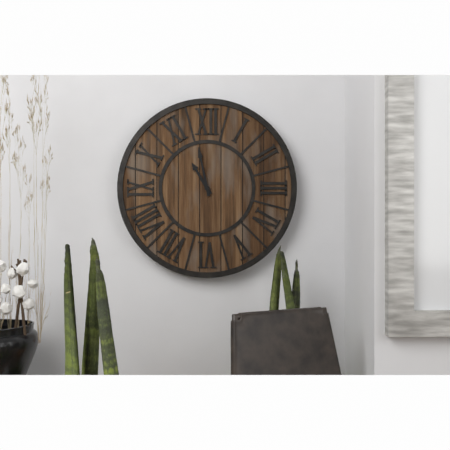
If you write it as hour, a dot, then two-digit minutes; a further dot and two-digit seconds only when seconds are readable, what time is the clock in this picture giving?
10.58
